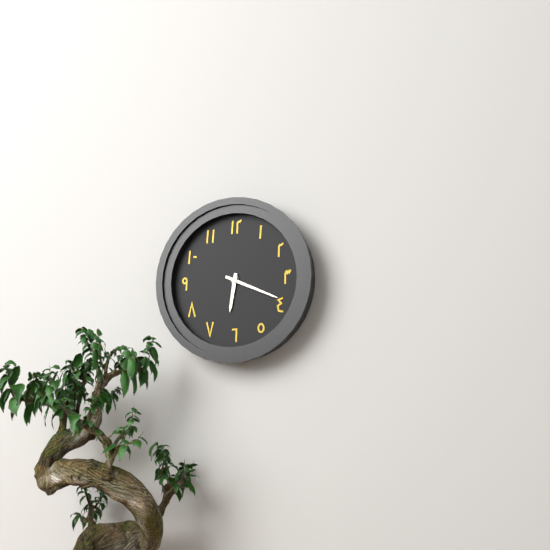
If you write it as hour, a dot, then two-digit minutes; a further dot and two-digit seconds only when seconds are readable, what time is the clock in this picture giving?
6.19
